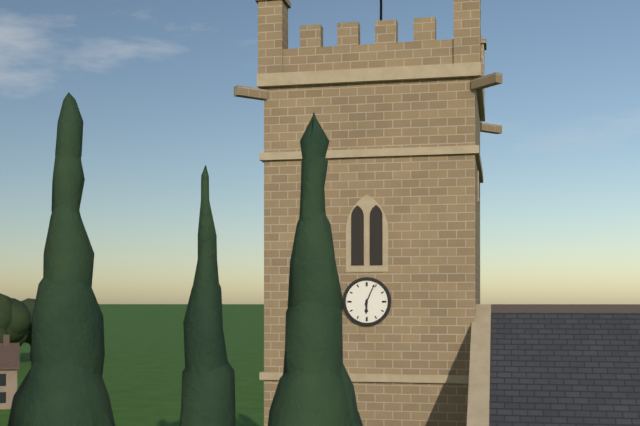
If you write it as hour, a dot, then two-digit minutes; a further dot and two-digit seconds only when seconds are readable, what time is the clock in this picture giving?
6.04
